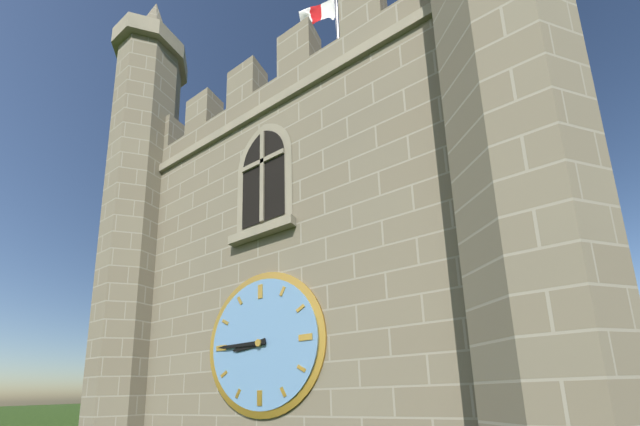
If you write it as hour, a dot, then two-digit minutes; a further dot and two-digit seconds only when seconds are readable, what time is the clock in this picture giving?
8.45
